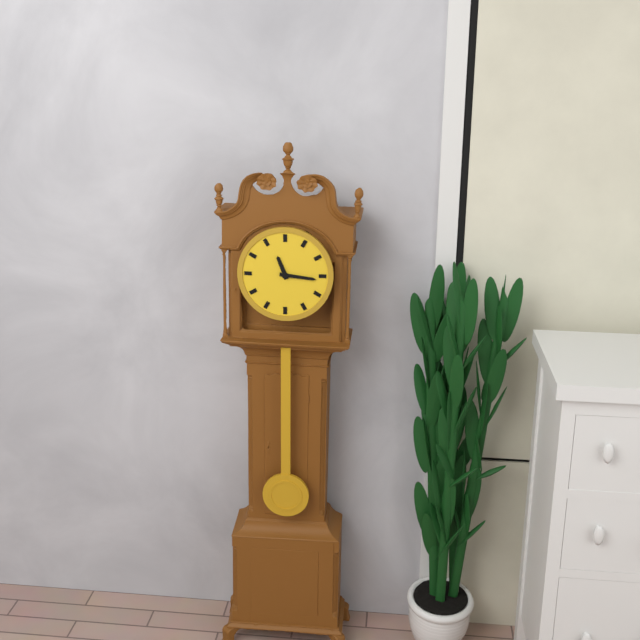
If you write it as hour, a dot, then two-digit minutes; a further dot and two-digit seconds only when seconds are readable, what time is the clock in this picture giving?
11.16
